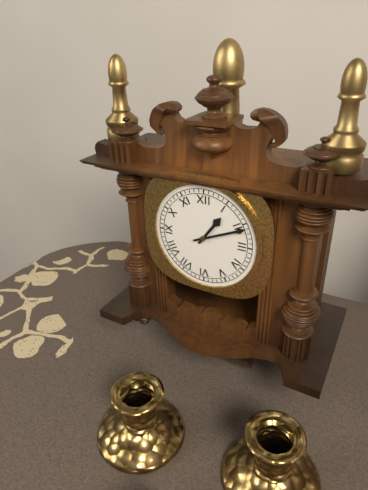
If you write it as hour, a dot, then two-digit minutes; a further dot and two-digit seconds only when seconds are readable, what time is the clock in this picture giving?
1.11
